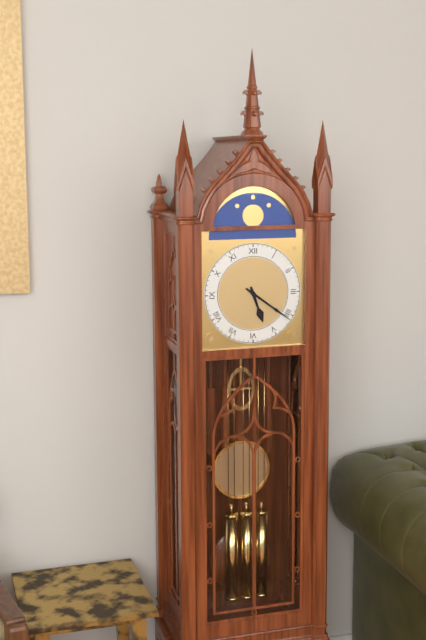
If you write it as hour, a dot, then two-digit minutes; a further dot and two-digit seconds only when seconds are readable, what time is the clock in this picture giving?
5.21
